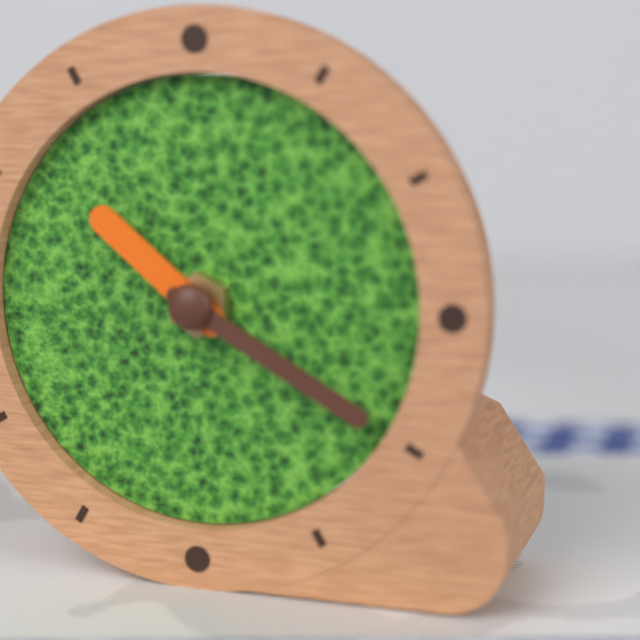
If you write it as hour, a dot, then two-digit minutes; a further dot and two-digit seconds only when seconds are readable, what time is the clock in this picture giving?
10.20
